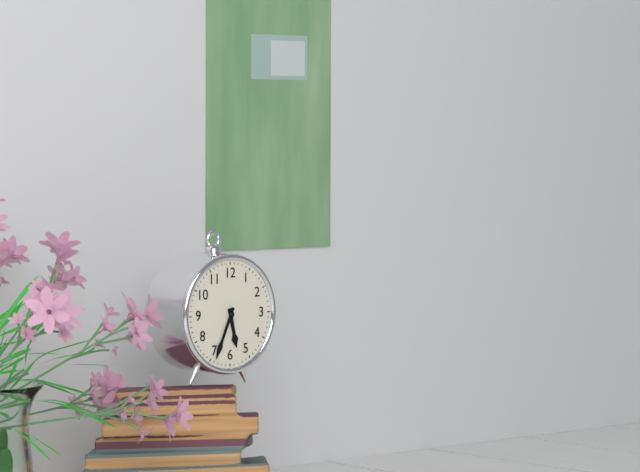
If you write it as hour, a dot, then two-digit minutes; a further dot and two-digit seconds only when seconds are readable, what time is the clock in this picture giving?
5.34
